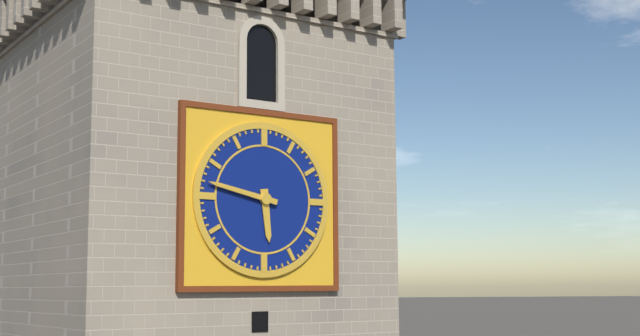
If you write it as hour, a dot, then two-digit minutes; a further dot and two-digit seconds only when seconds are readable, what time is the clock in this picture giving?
5.47
